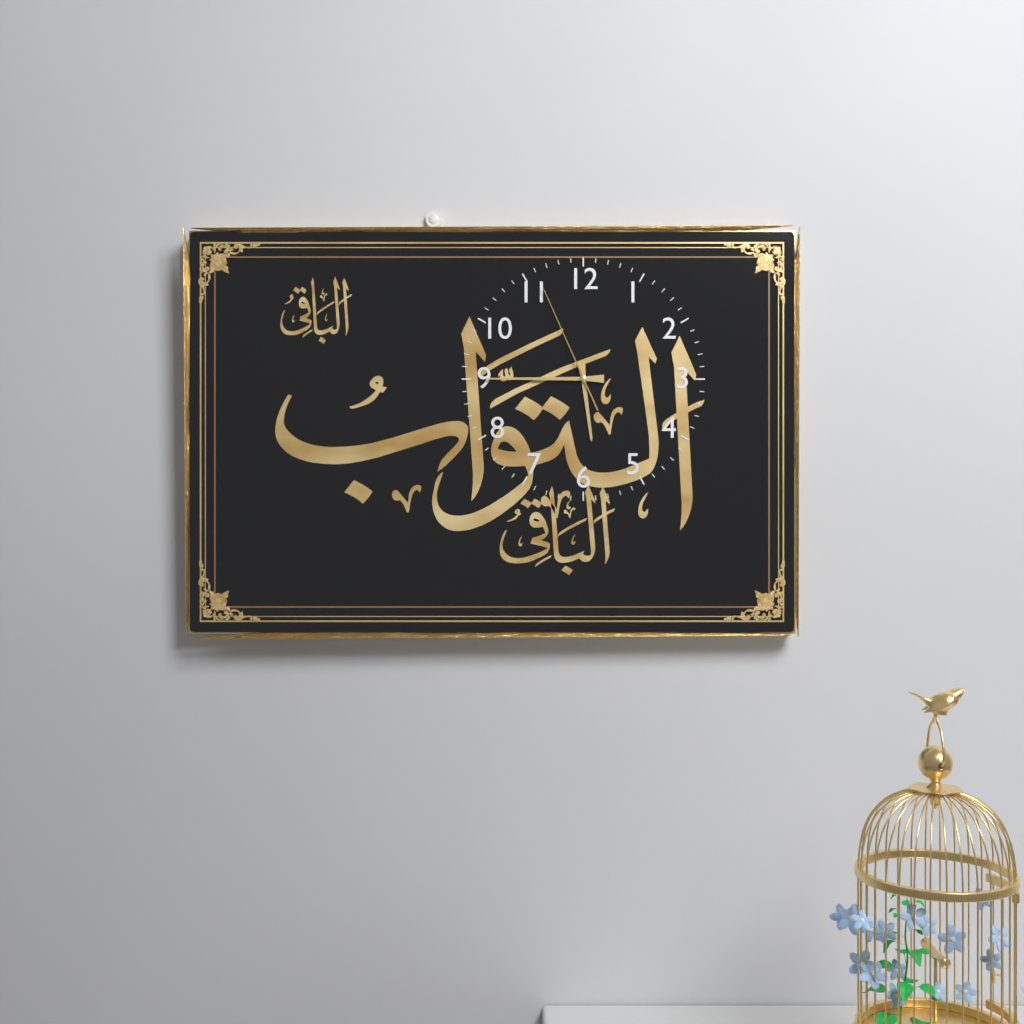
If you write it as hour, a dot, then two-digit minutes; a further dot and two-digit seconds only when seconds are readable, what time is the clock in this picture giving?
5.45.56
